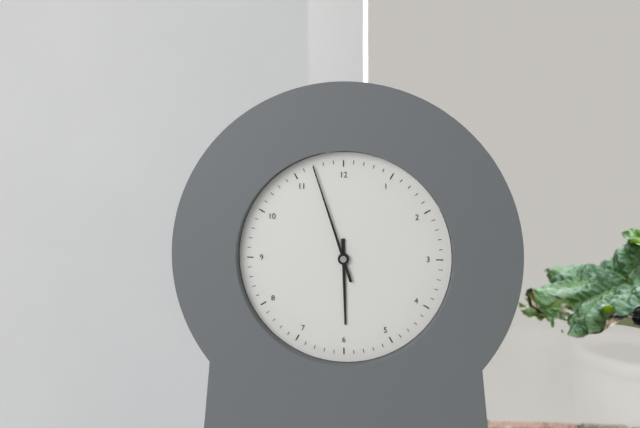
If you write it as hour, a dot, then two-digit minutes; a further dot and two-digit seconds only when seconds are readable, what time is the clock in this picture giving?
5.57
